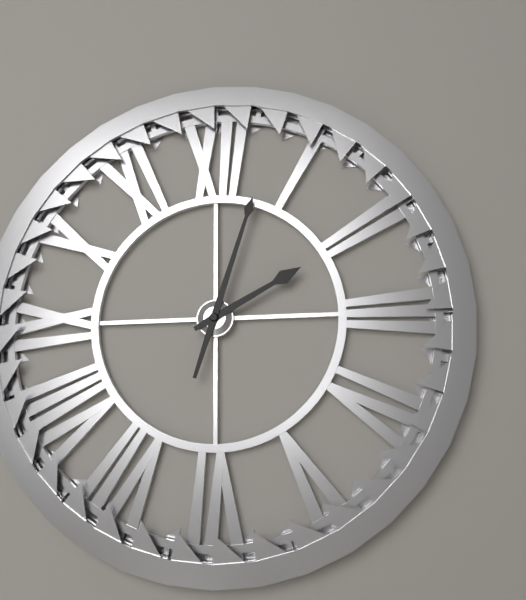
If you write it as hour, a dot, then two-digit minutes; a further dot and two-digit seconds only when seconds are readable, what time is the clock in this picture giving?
2.03
